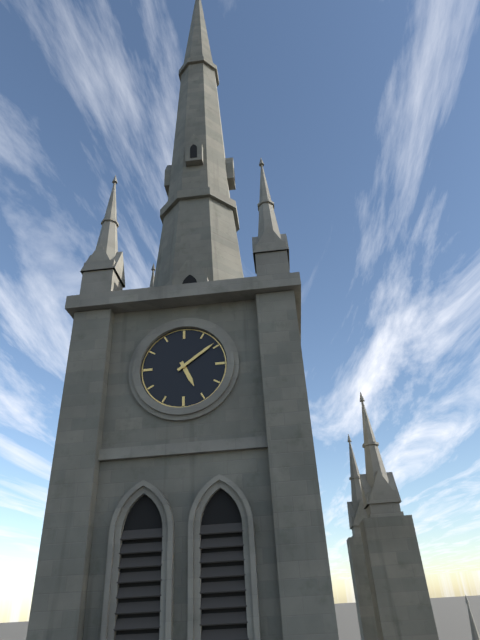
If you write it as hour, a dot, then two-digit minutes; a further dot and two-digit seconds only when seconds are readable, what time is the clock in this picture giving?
5.09
